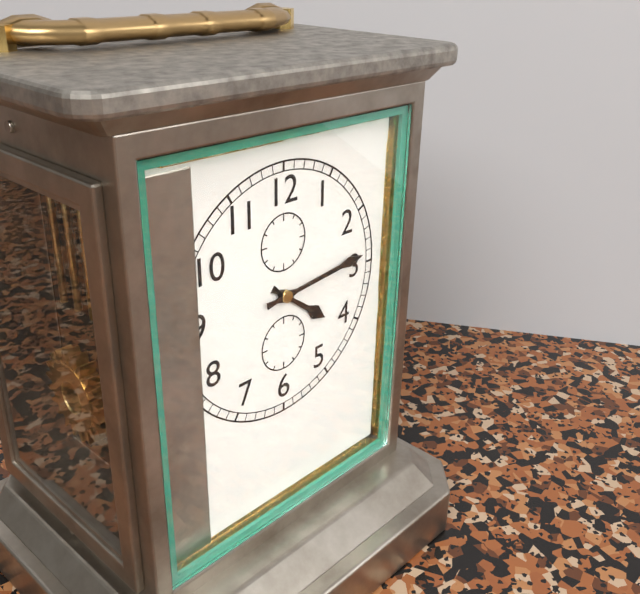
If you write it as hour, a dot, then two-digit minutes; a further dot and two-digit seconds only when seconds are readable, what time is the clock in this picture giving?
4.14
